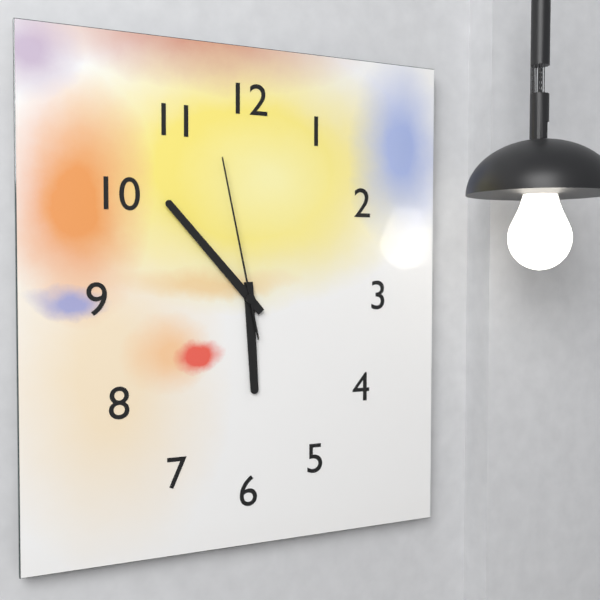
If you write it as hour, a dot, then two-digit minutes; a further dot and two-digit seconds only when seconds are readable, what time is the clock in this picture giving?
5.53.58
